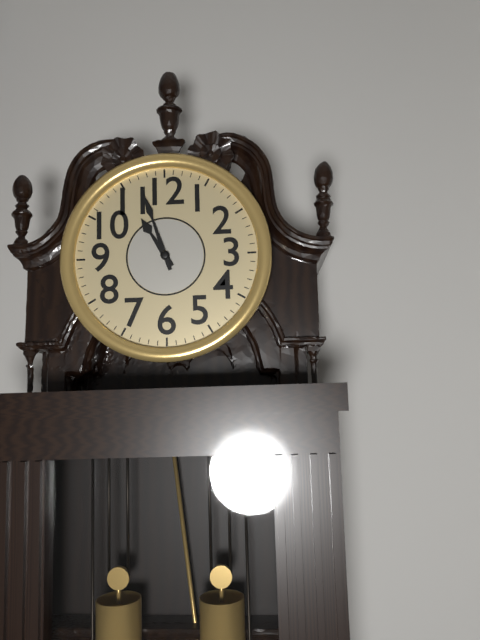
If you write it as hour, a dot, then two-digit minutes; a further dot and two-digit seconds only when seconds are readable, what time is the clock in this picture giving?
10.57
